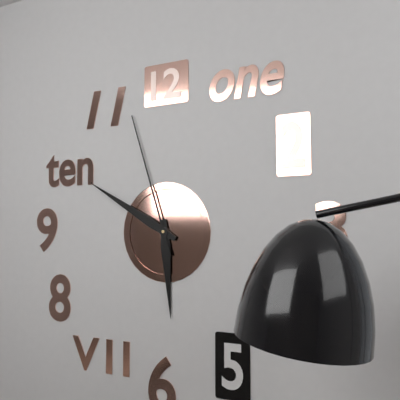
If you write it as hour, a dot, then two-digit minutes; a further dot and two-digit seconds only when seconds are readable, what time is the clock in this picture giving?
5.50.57
